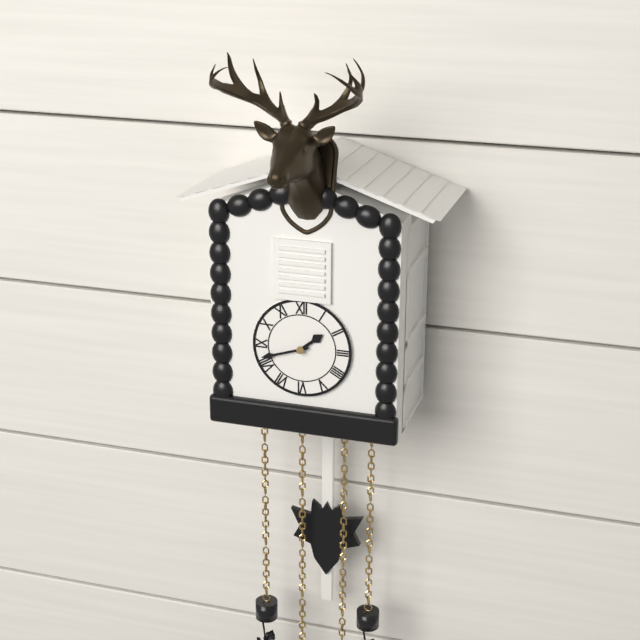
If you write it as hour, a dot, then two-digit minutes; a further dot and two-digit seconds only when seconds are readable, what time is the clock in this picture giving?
1.42
